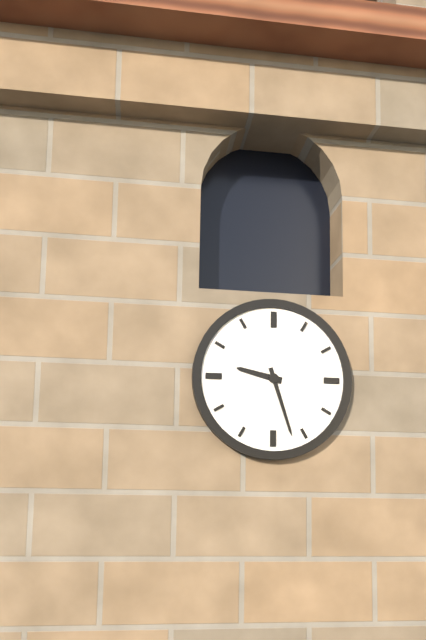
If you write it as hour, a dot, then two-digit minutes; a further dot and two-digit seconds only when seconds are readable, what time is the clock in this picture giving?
9.27
